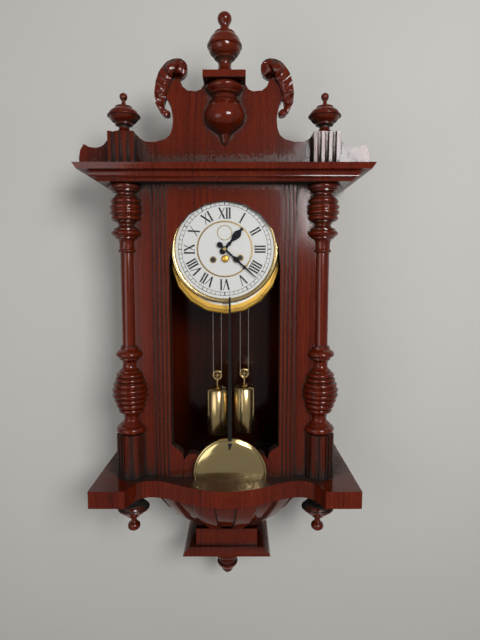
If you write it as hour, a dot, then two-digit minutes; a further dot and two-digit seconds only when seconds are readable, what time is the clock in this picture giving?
1.22
